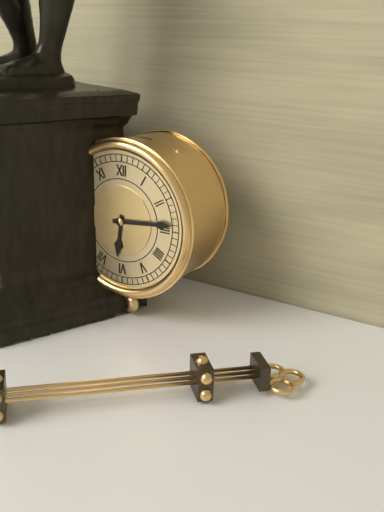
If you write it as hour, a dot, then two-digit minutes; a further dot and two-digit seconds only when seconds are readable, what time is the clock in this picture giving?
6.14
